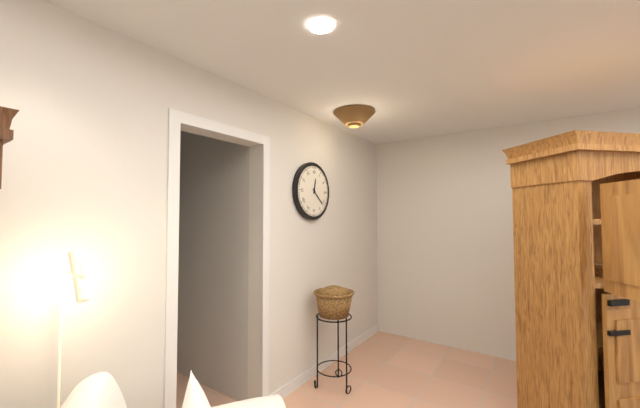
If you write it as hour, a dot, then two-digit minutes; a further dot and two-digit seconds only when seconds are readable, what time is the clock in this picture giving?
12.22
